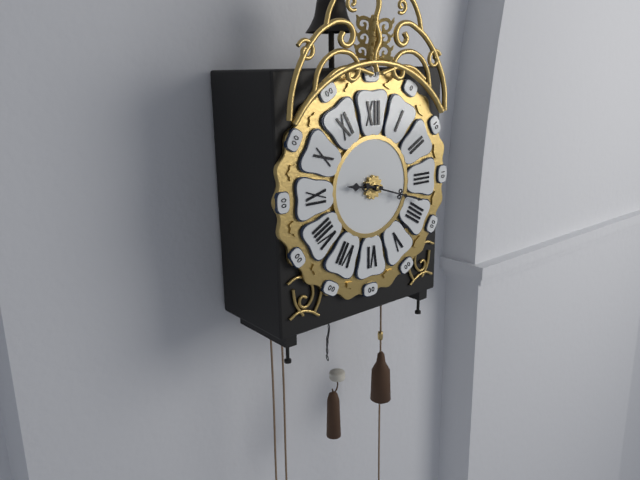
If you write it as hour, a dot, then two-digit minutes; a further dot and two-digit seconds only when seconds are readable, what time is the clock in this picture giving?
9.18
